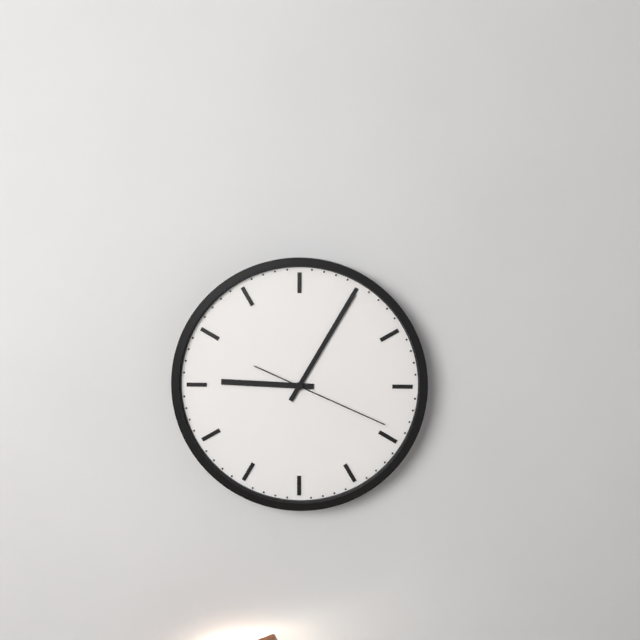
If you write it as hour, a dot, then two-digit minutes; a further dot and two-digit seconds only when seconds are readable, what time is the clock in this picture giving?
9.05.19
